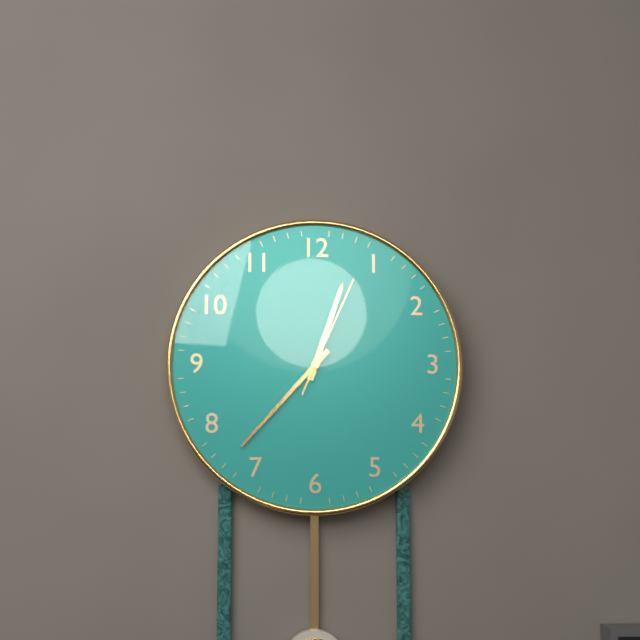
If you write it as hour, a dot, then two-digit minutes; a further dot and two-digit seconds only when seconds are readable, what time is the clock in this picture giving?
12.37.04
